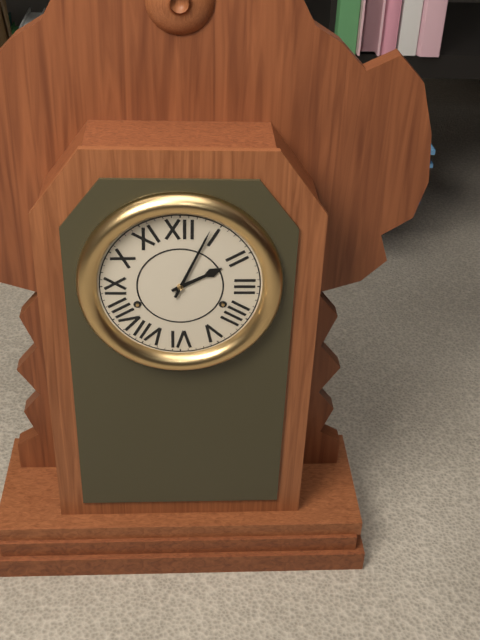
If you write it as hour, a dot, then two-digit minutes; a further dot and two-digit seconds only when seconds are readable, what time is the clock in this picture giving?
2.04
